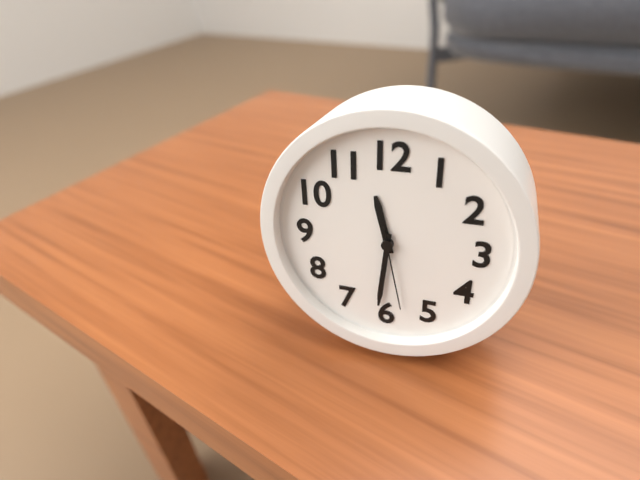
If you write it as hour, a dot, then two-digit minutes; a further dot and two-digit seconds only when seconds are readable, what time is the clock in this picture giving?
11.31.28
